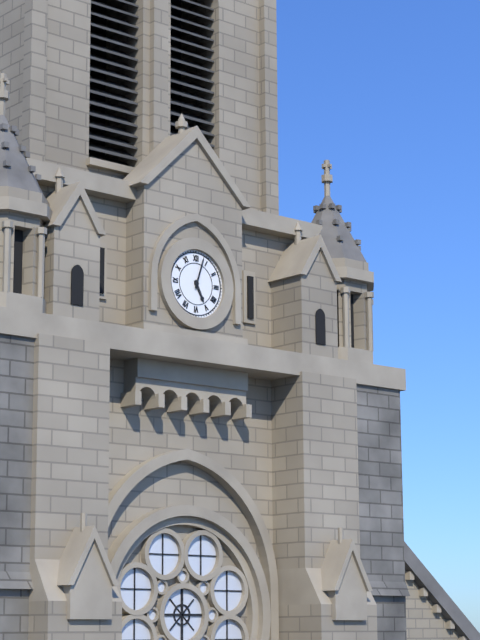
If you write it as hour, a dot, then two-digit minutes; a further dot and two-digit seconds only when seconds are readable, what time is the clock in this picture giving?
5.03
